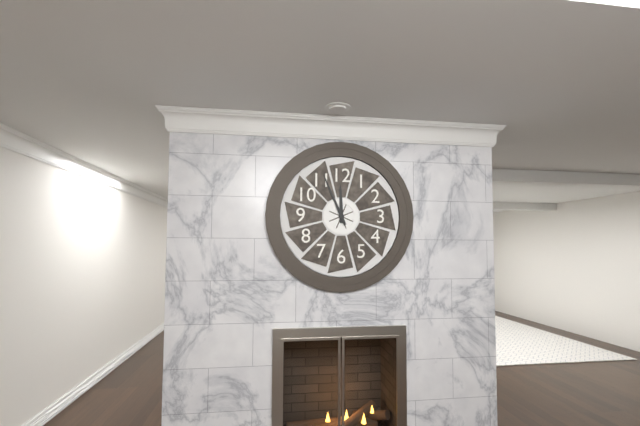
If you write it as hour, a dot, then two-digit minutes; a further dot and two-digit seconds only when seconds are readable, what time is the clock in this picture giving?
11.56
